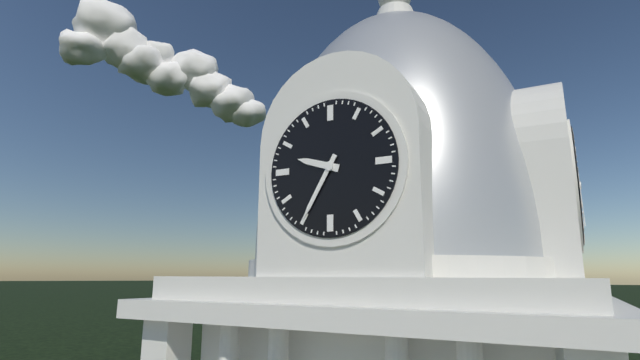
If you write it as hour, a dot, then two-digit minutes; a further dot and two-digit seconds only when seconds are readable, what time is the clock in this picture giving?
9.35
